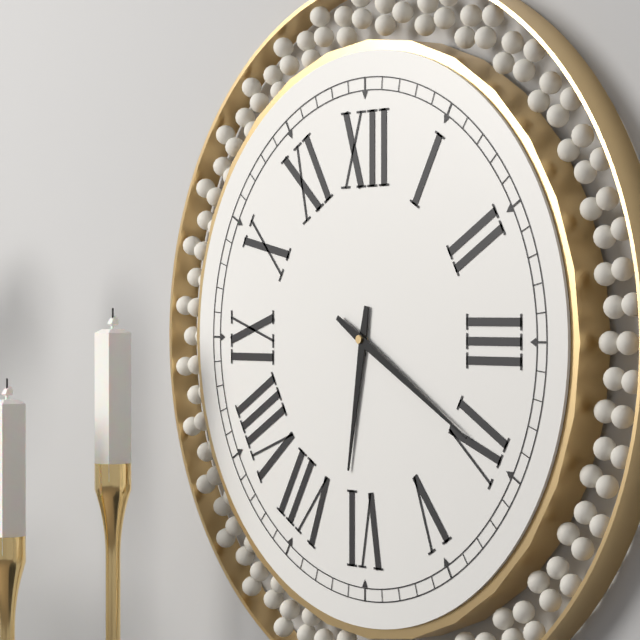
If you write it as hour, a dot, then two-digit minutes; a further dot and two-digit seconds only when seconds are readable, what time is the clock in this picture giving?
6.20
